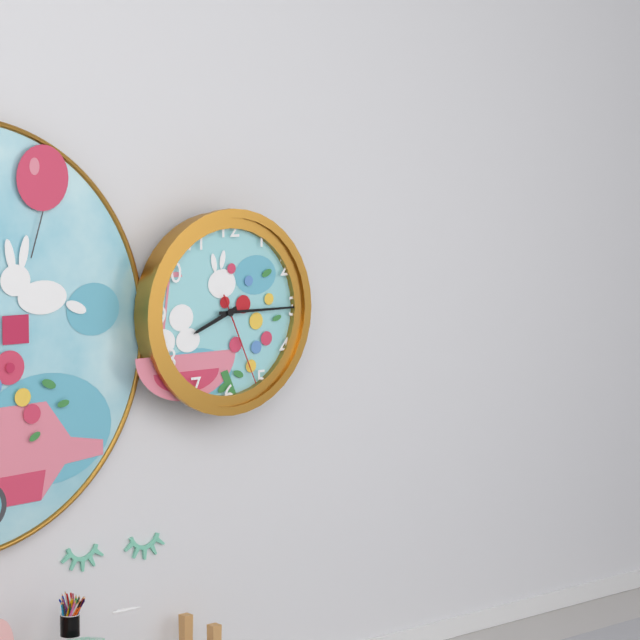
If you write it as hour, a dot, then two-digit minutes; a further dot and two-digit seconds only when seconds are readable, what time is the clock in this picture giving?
8.15.26
